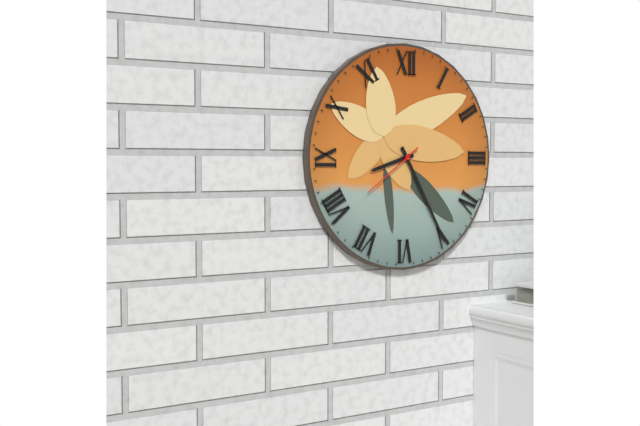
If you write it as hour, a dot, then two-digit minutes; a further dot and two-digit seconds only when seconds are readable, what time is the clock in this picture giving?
8.25.39
